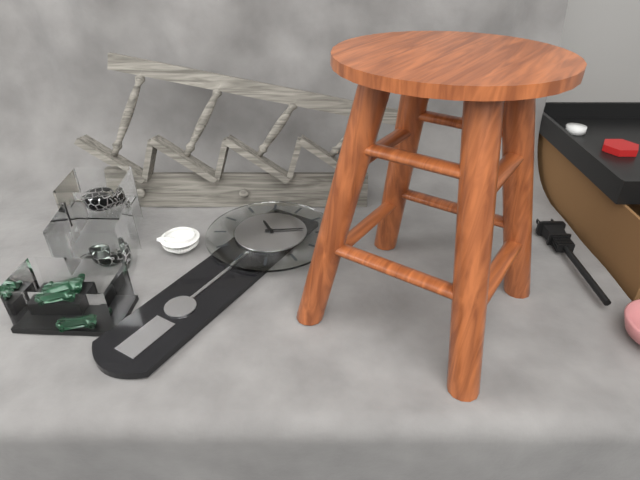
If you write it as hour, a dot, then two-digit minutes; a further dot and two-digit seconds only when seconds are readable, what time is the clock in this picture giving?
10.09
